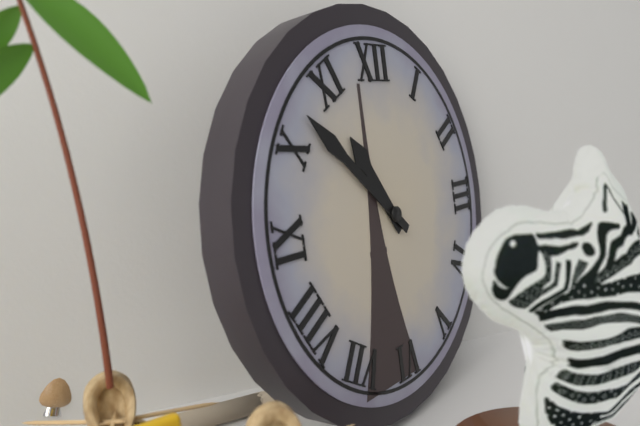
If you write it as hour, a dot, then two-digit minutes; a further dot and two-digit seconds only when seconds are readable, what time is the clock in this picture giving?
10.52
